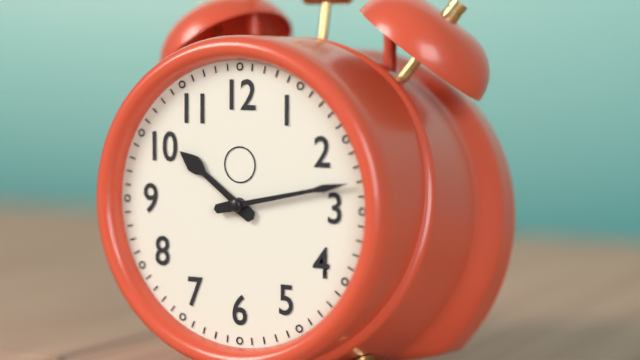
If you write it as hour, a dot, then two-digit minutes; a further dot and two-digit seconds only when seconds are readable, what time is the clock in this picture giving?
10.13
